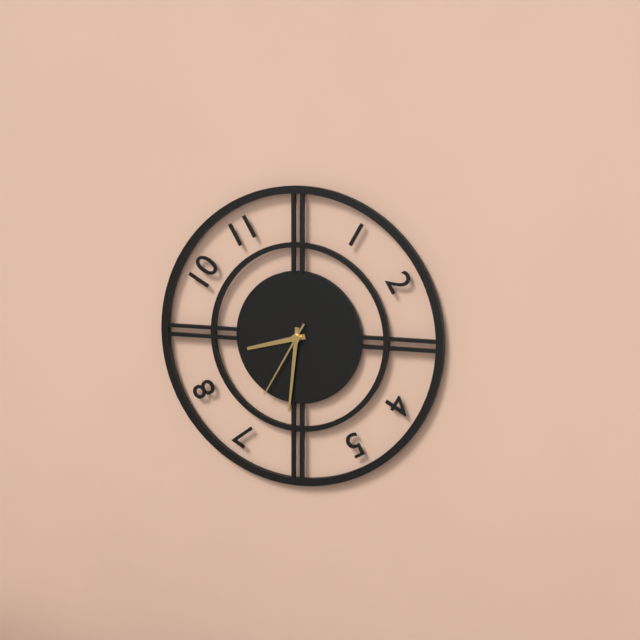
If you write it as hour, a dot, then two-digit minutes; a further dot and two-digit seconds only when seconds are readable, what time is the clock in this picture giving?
8.31.35
